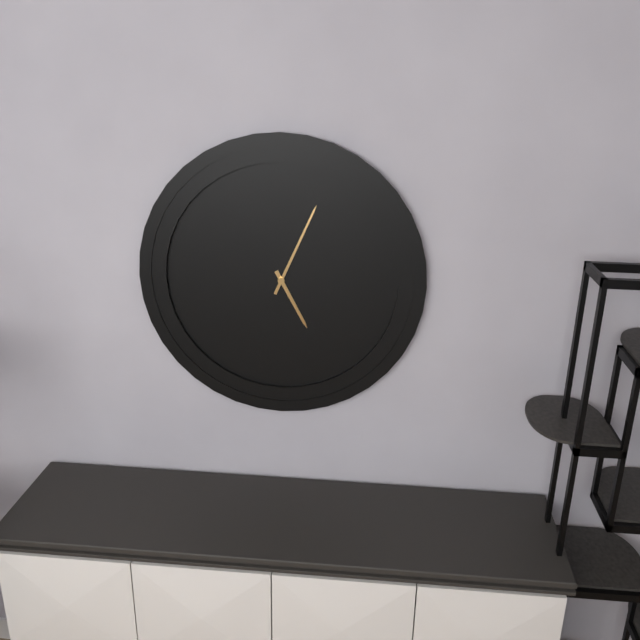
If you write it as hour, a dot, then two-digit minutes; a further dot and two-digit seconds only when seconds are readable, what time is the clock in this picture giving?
5.04
